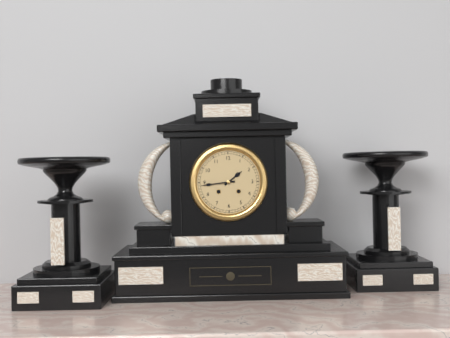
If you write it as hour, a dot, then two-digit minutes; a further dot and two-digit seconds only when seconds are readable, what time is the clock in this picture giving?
1.44
